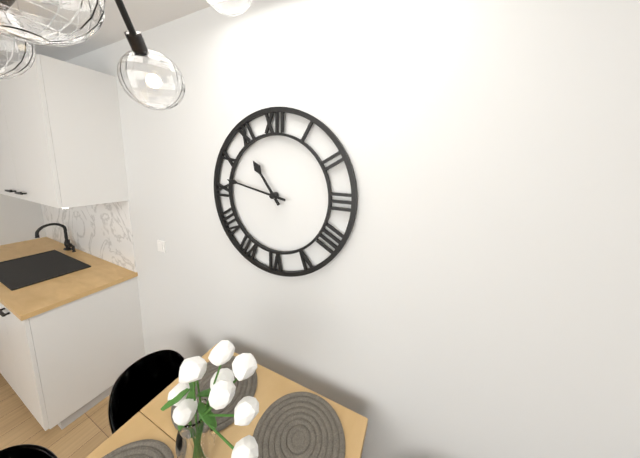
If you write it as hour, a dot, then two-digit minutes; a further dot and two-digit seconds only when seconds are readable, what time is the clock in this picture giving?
10.47
